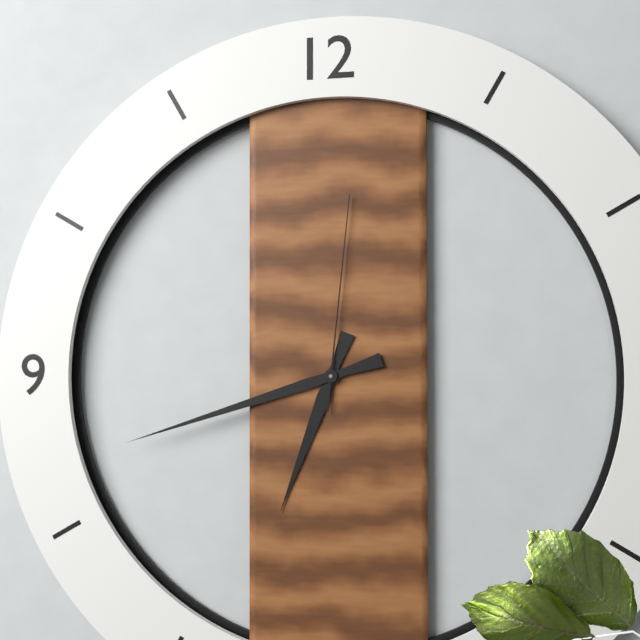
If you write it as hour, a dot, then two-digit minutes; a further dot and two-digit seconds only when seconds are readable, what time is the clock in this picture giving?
6.42.01
